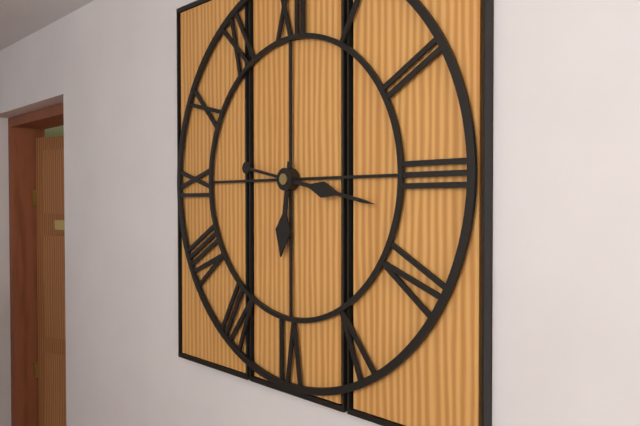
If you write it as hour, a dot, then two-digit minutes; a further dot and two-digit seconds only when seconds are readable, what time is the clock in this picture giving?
6.17
